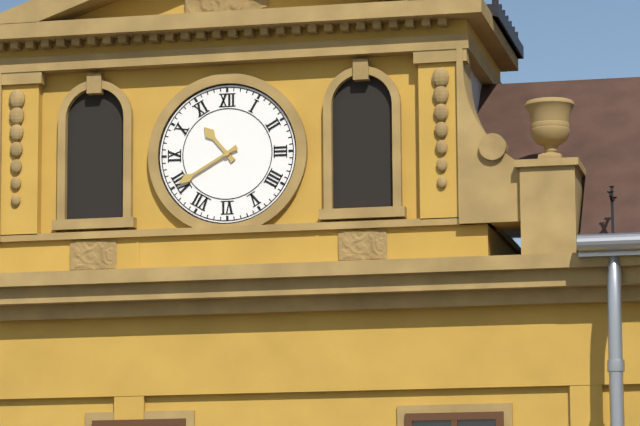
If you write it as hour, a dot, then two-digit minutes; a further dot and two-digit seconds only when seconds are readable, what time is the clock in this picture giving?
10.40
